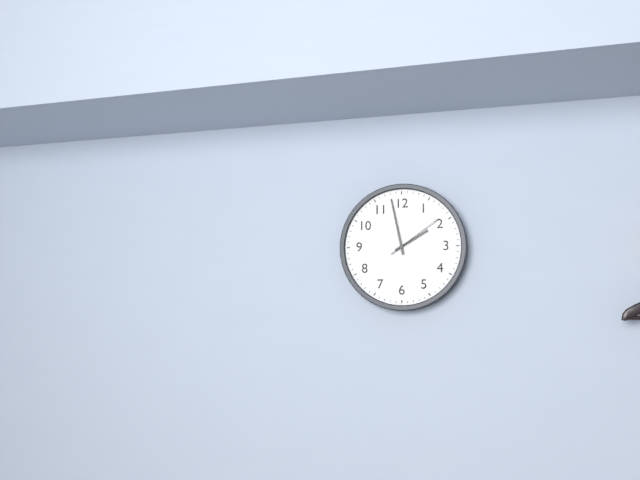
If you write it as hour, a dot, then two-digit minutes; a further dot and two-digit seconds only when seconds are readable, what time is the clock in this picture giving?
1.58.09
